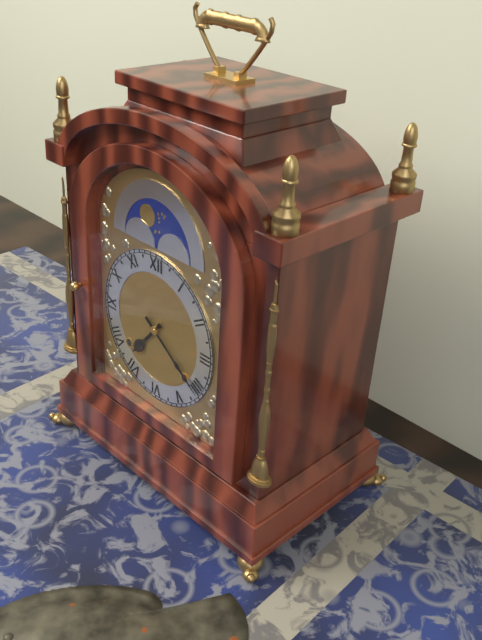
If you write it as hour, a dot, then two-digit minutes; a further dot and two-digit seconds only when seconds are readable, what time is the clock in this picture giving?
7.21
